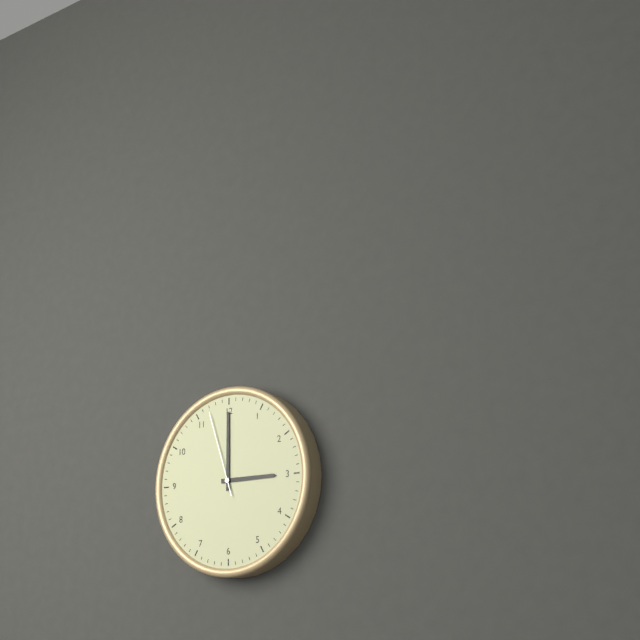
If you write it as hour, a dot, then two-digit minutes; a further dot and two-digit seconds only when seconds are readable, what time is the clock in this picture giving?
3.00.57
